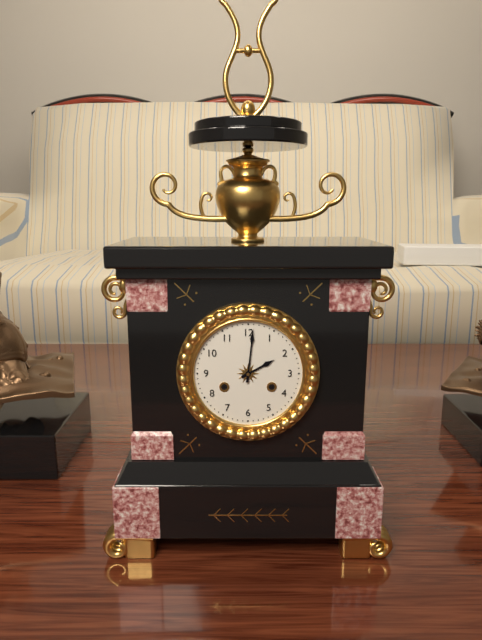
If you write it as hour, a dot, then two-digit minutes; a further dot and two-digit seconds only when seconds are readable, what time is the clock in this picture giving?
2.01
